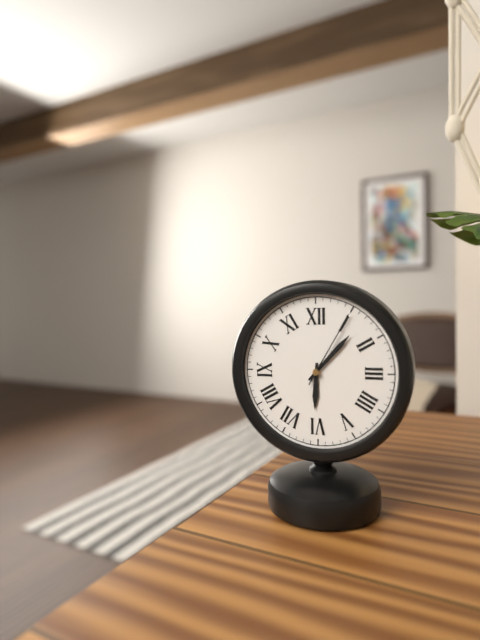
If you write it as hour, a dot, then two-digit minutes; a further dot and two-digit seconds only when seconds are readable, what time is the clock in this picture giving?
6.07.05
